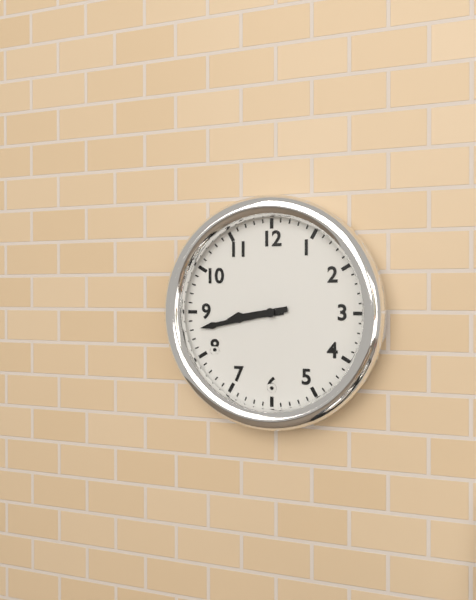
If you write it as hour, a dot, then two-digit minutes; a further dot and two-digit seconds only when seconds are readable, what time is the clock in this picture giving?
8.43
